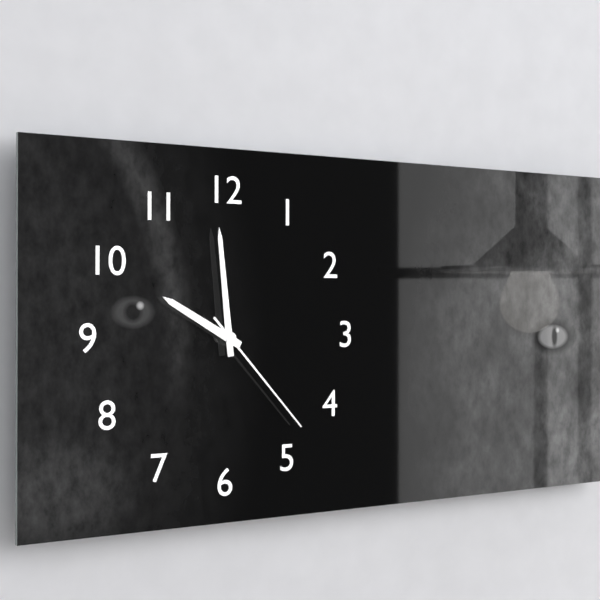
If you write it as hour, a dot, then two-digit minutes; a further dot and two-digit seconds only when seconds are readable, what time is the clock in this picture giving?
9.59.23
